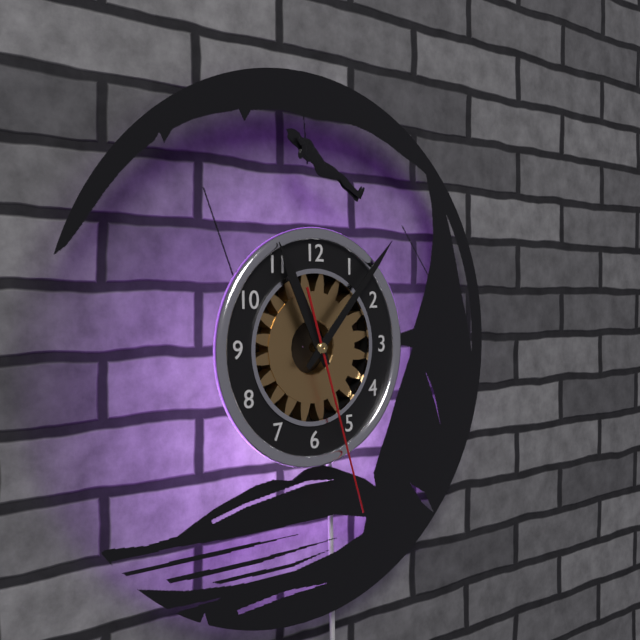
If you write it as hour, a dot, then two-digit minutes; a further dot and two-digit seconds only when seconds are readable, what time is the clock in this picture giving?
11.07.27
